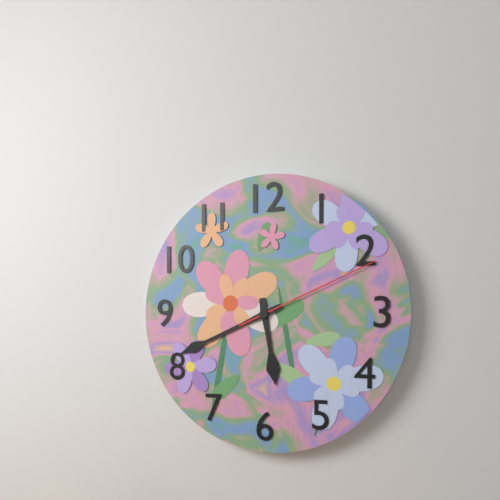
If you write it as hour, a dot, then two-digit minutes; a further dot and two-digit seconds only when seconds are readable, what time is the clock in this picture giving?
5.41.11
